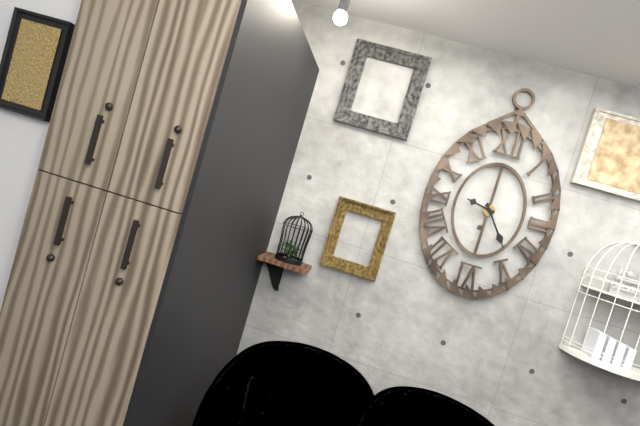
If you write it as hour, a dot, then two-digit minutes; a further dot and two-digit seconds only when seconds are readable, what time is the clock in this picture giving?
9.24
